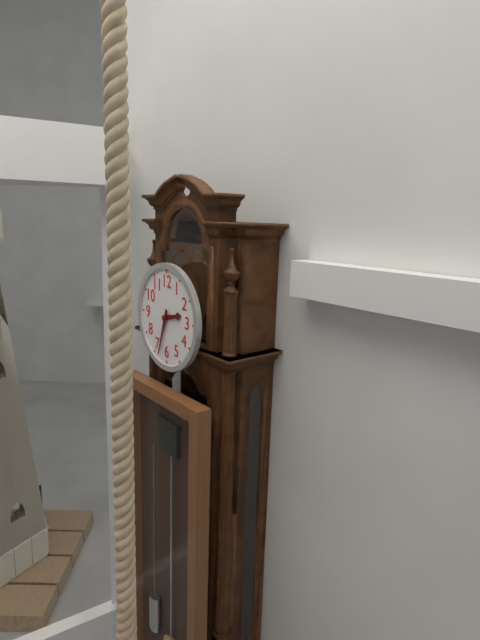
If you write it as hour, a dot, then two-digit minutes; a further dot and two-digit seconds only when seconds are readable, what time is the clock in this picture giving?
2.33
